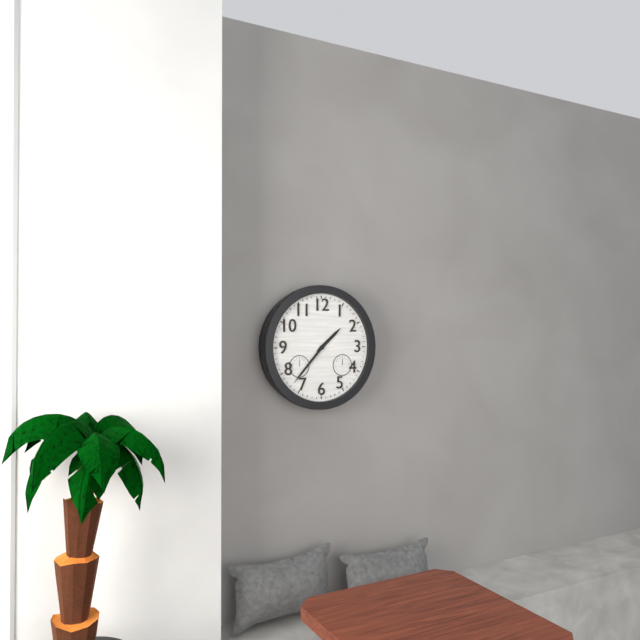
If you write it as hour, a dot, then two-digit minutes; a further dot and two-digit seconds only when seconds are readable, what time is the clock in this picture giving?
1.37
